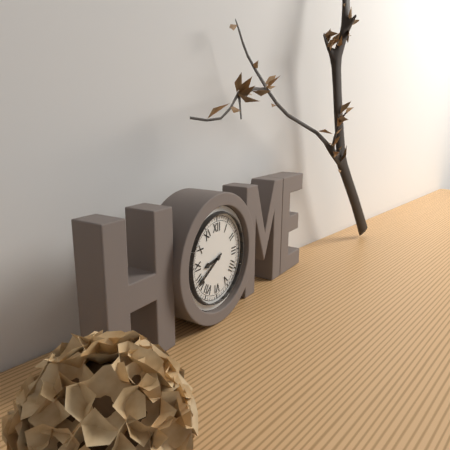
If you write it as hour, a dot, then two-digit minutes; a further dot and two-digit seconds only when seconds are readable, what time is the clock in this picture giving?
8.40
